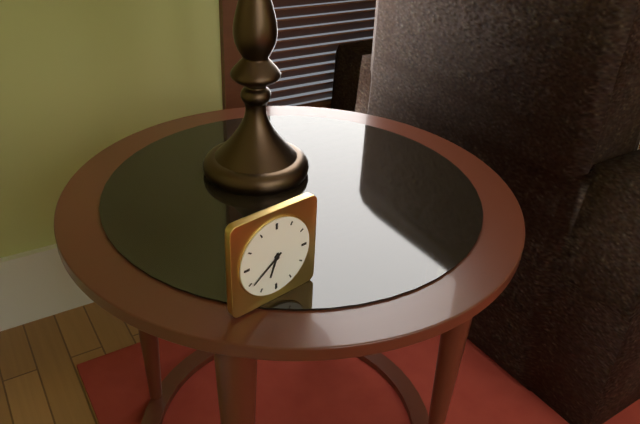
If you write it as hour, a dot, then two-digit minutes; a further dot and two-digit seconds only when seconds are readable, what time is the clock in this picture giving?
6.39
